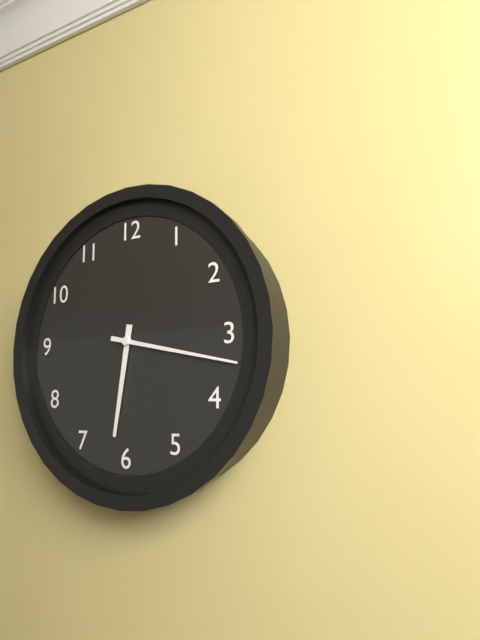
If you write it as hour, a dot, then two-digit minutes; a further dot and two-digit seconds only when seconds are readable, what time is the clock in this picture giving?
6.17
